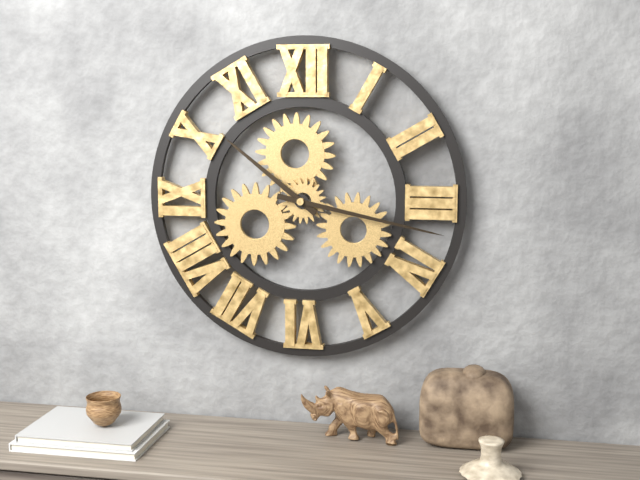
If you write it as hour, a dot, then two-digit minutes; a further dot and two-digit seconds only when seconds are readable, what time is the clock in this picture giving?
10.17
